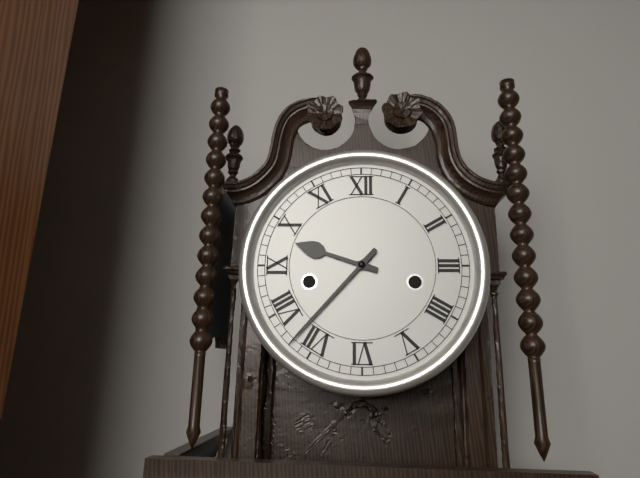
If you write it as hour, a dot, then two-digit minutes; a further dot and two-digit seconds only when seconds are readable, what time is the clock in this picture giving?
9.37
